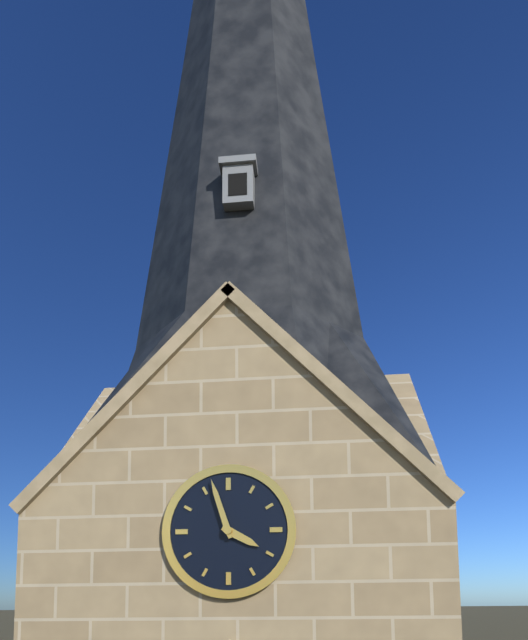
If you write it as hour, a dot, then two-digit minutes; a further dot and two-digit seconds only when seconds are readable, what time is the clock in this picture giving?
3.57
